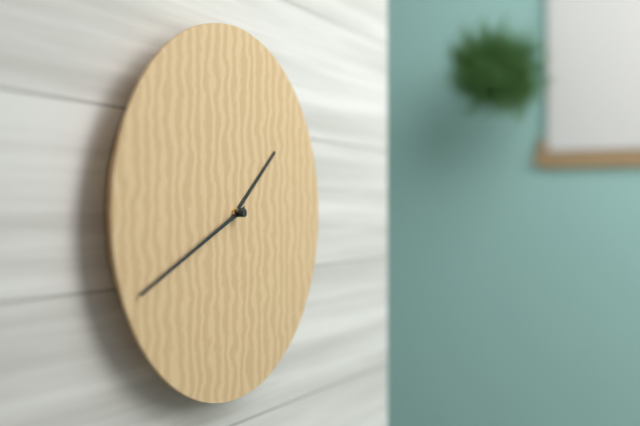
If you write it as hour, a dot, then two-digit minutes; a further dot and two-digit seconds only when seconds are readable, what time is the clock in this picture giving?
1.41
